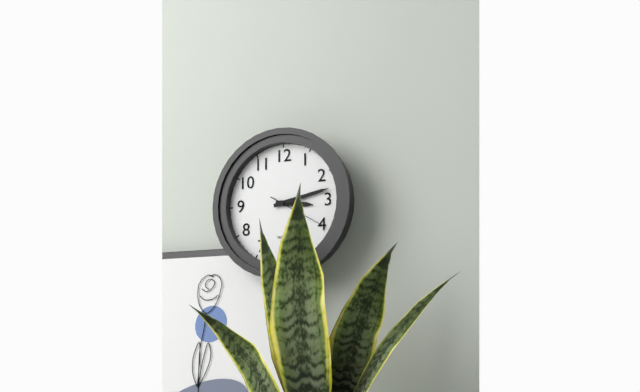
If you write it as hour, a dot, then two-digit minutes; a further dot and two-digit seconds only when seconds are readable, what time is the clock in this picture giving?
3.13.20
